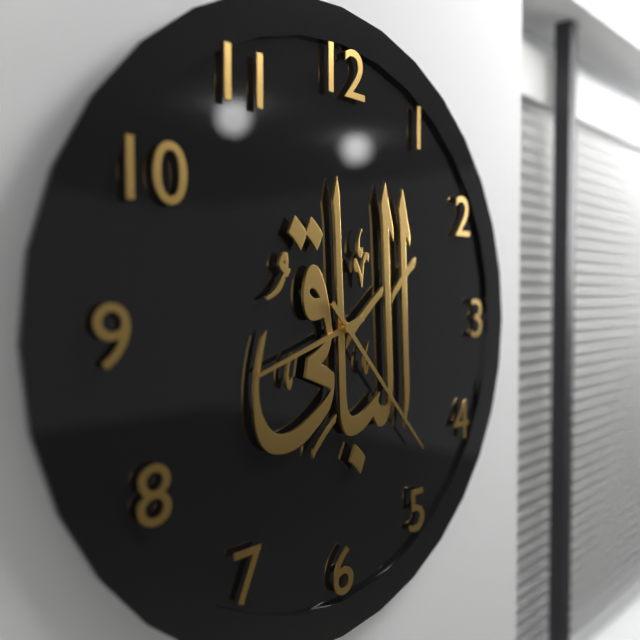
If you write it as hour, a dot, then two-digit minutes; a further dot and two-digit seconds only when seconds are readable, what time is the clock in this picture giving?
8.23
